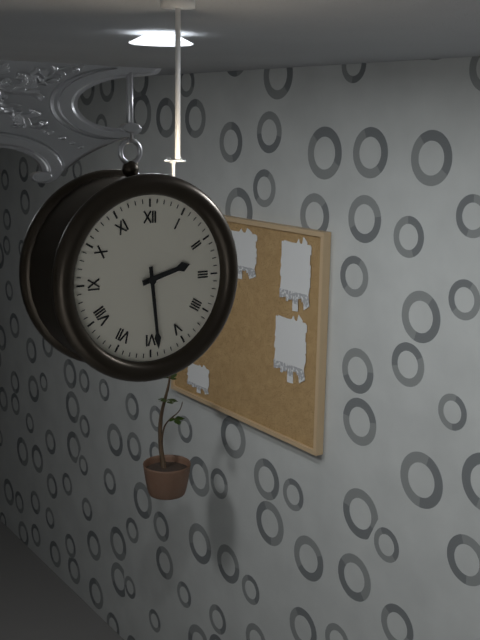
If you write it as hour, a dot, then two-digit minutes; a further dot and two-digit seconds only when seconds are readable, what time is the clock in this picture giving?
2.29
